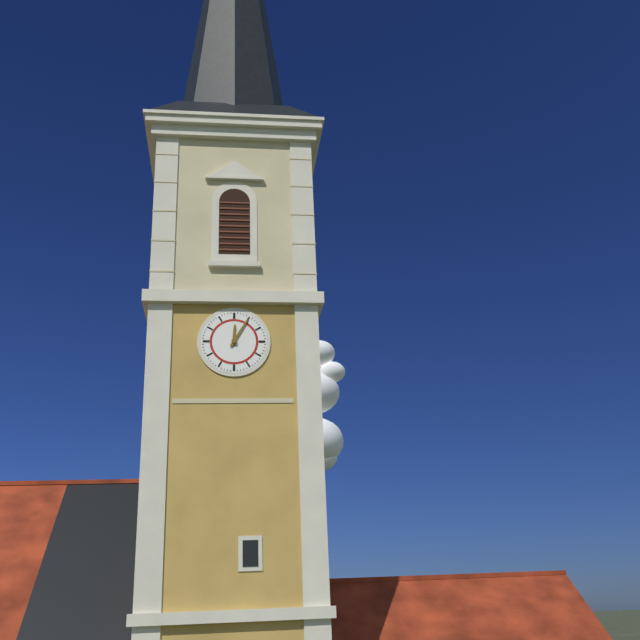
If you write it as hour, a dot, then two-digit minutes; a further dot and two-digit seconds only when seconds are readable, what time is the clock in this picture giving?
12.05
